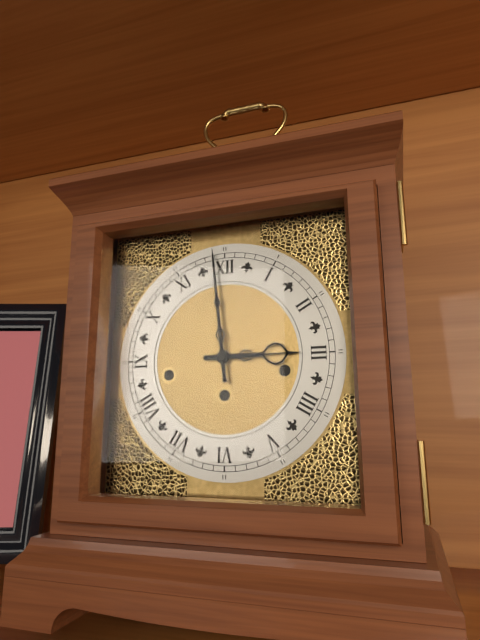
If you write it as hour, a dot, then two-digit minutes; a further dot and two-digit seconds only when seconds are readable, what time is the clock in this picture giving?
2.59
